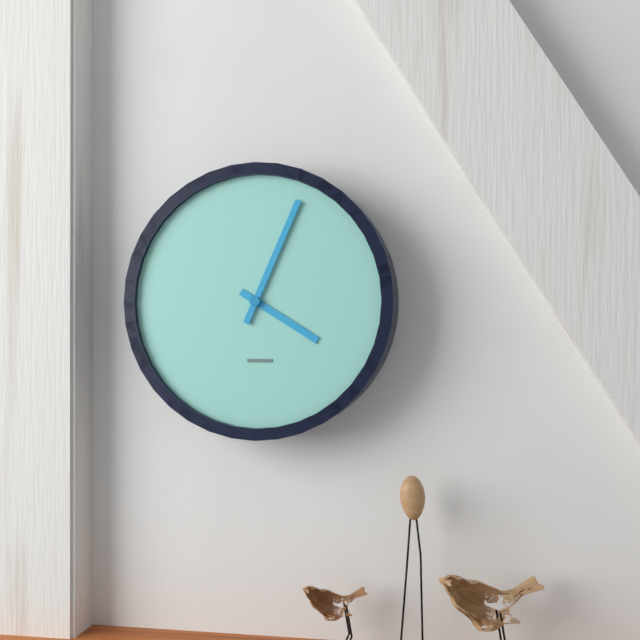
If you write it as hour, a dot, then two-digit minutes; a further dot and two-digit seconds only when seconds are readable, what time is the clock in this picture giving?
4.04
